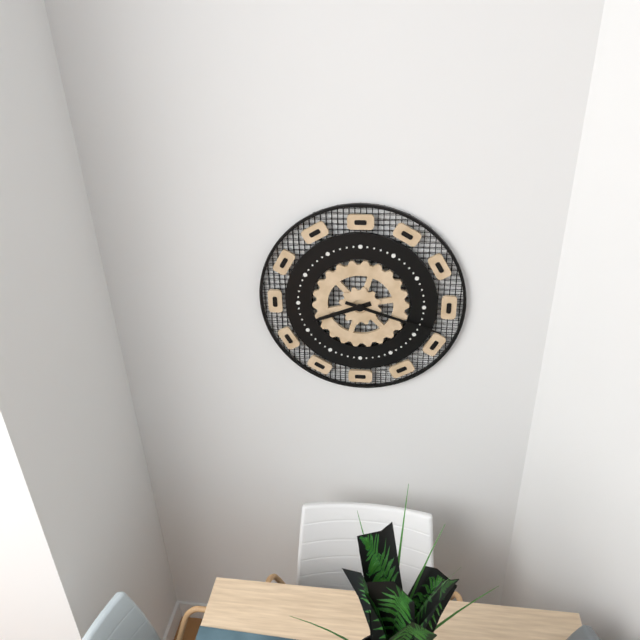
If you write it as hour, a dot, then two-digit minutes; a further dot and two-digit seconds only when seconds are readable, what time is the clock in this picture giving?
8.18
